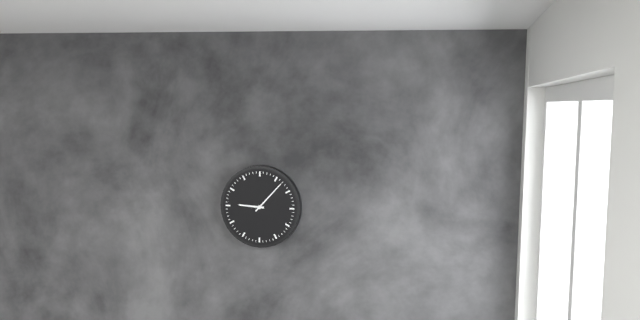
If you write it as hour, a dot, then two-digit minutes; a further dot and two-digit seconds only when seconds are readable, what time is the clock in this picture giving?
9.07
